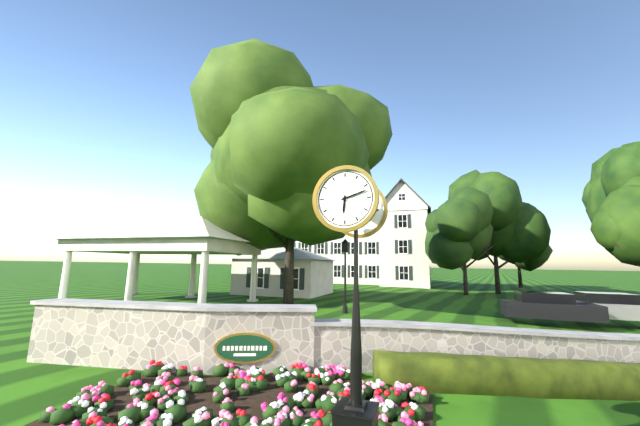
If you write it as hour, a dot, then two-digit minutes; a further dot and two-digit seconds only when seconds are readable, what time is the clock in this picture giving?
6.12
